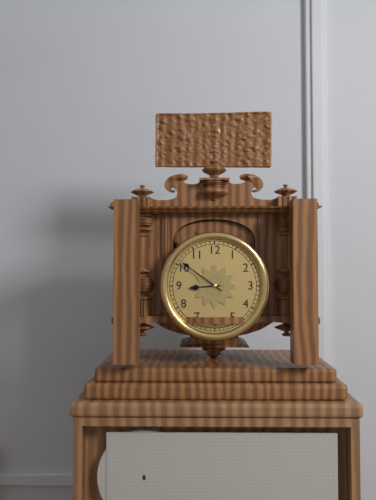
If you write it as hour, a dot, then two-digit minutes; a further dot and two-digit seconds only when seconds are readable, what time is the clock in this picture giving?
8.51
